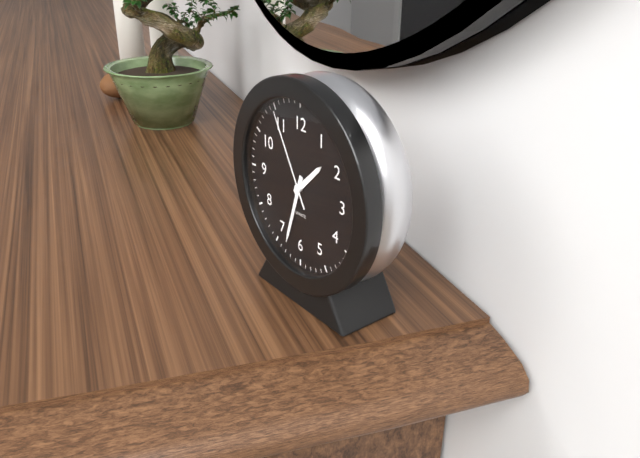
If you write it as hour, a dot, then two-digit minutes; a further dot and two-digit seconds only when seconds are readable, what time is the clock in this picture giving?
1.33.55
